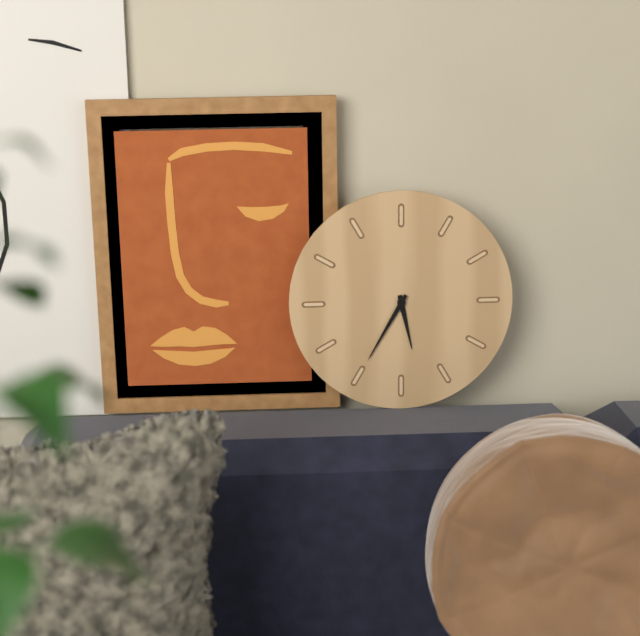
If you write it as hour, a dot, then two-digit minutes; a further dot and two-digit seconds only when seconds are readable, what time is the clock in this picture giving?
5.35
